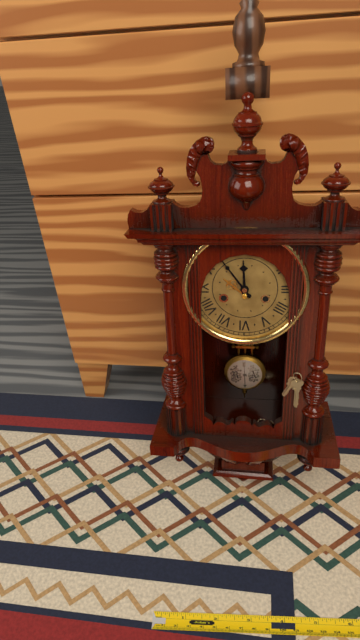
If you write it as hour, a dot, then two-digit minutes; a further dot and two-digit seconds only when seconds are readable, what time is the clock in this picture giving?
11.54
